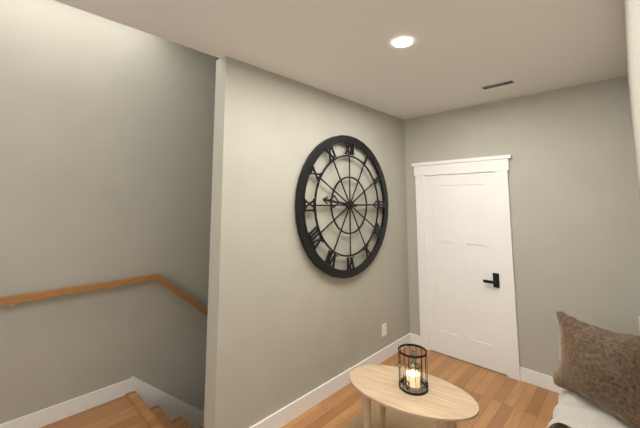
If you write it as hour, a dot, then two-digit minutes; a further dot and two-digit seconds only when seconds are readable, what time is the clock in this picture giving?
9.15
